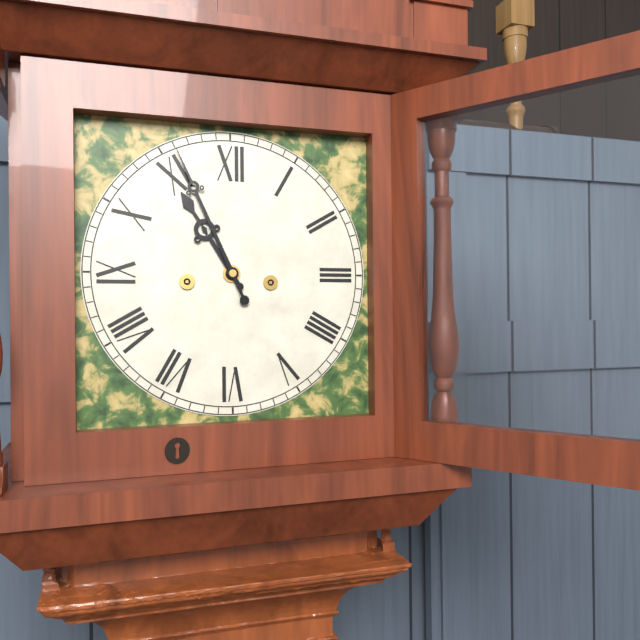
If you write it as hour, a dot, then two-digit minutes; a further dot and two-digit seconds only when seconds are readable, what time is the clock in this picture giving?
10.56
